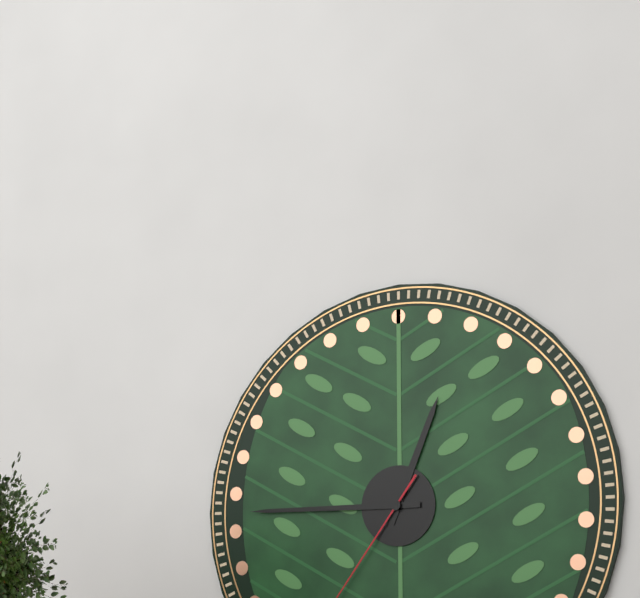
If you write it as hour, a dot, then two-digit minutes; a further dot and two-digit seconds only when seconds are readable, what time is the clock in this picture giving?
12.45
